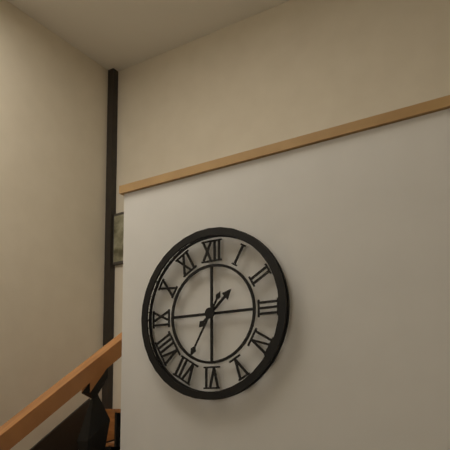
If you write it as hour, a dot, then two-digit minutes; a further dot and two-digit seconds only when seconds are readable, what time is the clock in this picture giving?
1.35
